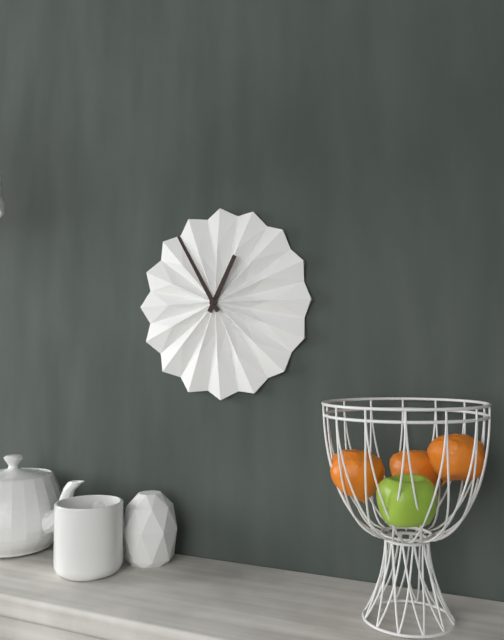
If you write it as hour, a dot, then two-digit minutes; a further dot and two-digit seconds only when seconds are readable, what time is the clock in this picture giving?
12.55
